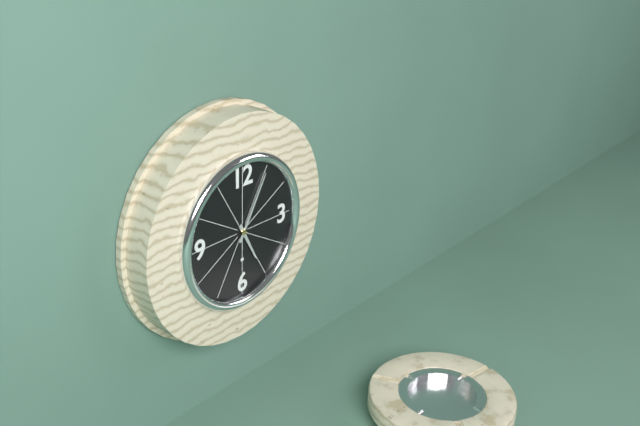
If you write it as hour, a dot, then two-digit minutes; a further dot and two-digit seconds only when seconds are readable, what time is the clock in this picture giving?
5.05
